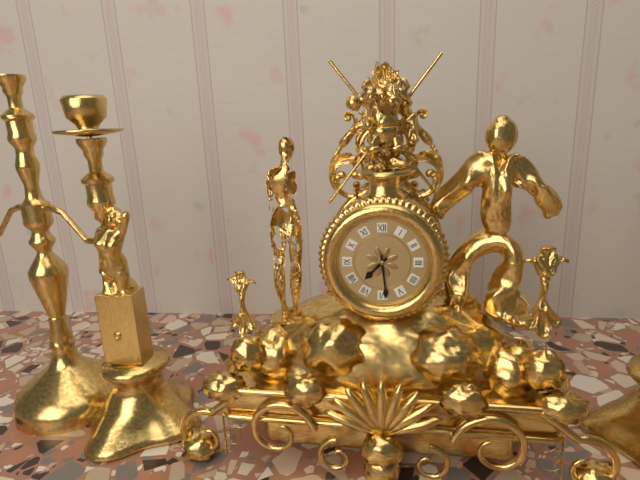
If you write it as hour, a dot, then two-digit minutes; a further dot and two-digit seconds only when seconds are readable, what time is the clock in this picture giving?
7.29
